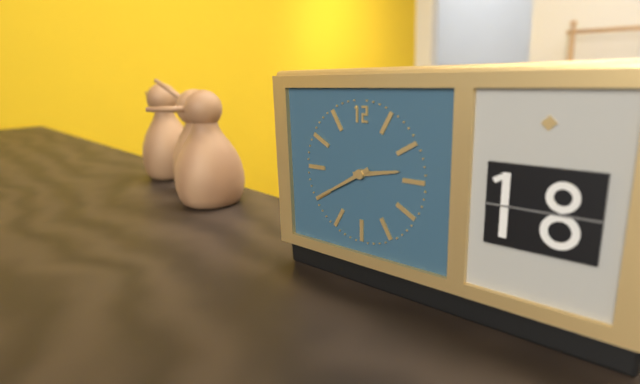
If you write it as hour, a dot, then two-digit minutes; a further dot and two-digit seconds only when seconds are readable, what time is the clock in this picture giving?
2.40
